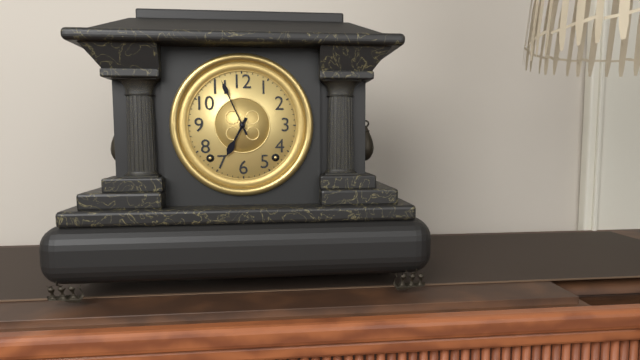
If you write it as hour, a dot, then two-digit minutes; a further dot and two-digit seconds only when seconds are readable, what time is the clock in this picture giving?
6.56
